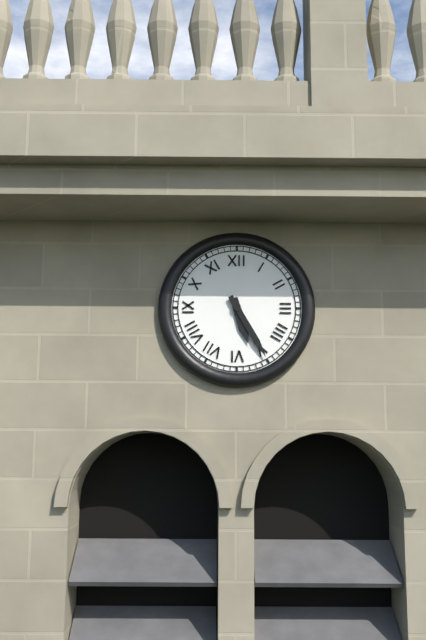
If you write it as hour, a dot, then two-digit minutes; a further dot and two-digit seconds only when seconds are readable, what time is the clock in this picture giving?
5.25
